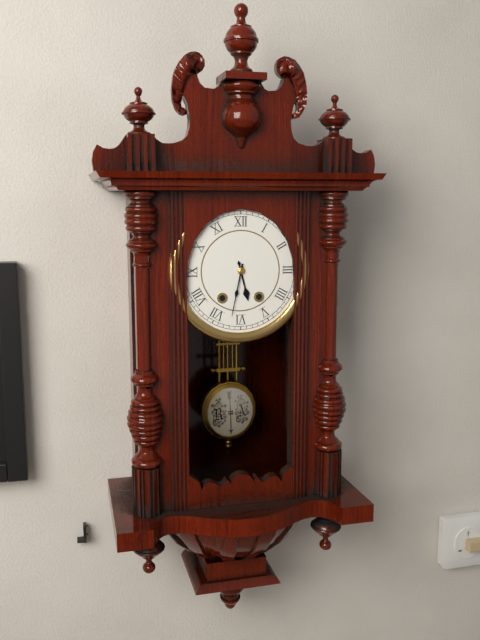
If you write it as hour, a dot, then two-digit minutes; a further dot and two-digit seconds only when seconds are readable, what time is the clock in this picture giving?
5.32
